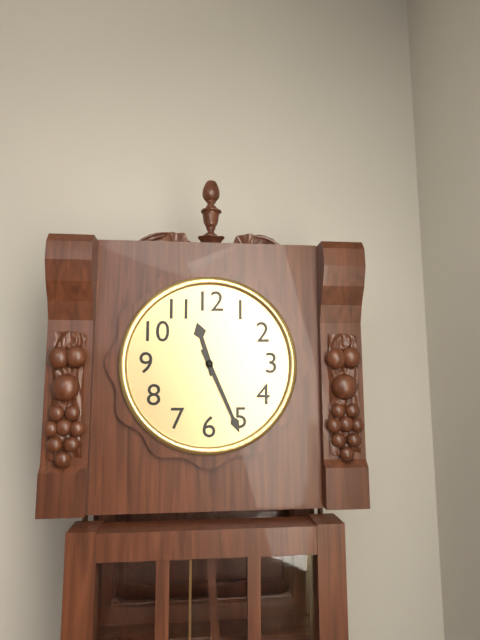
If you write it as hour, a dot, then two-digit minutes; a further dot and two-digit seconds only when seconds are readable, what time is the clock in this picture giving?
11.26
